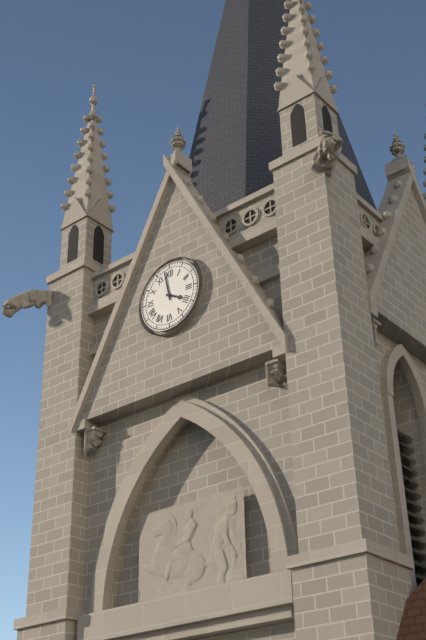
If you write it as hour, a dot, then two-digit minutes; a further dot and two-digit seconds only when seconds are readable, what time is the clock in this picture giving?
3.58
